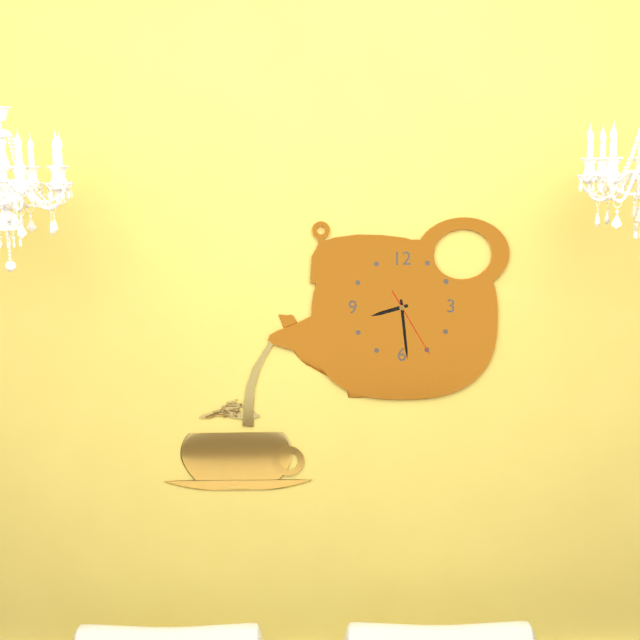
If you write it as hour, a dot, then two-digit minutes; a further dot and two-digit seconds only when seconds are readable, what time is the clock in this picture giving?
8.29.25
